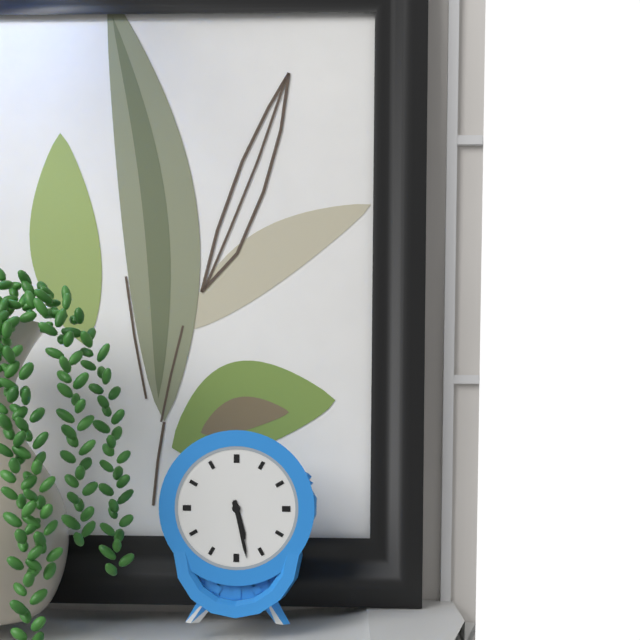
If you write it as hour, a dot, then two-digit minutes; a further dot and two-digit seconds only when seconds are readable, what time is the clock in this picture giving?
5.28
